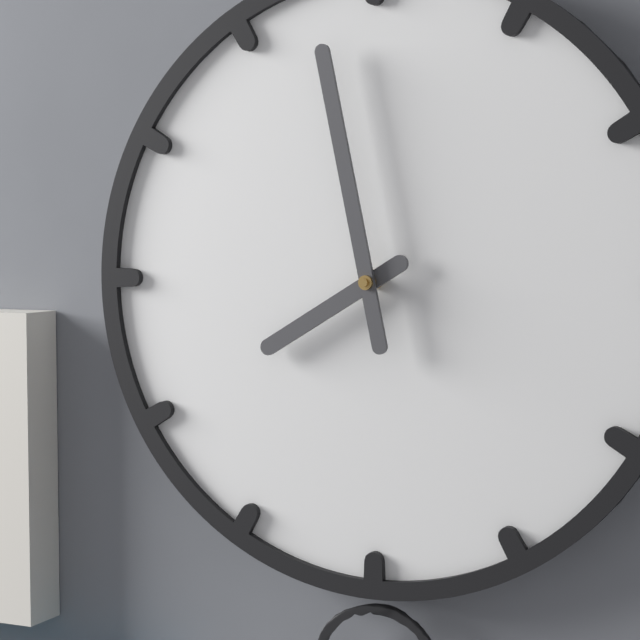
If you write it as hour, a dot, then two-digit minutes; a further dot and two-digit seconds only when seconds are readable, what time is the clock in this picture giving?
7.58
